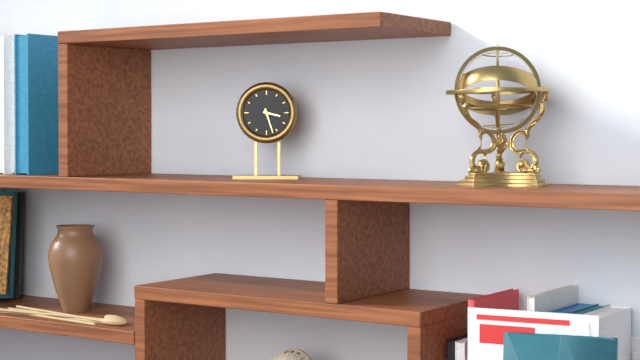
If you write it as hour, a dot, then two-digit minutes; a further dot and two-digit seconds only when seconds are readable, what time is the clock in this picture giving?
3.27
